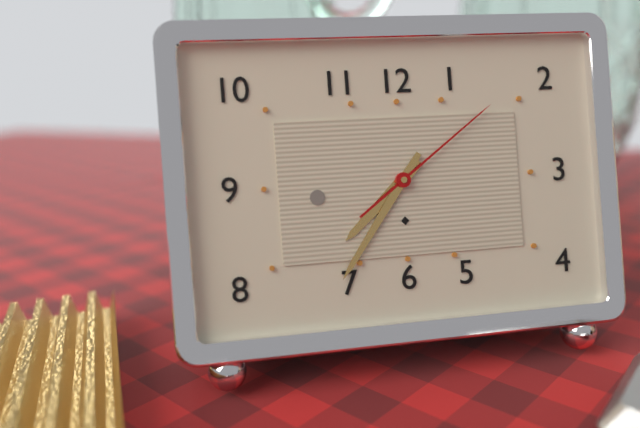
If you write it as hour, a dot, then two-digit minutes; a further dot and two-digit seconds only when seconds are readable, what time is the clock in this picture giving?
7.36.09
